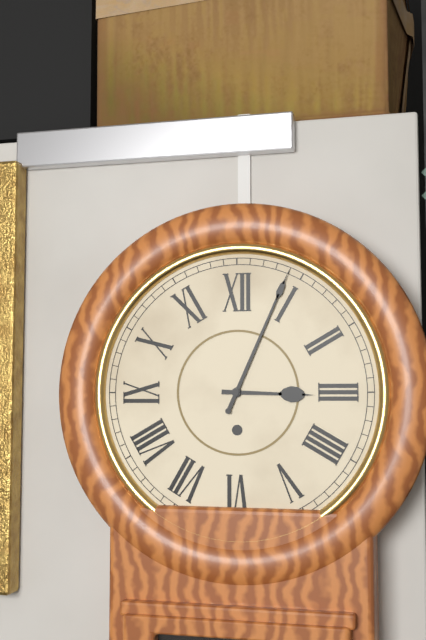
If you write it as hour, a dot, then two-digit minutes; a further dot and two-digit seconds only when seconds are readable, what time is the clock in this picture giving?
3.04
